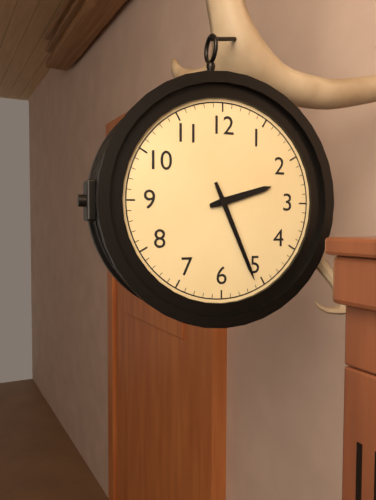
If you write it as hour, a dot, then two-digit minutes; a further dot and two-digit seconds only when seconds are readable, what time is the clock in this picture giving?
2.26
